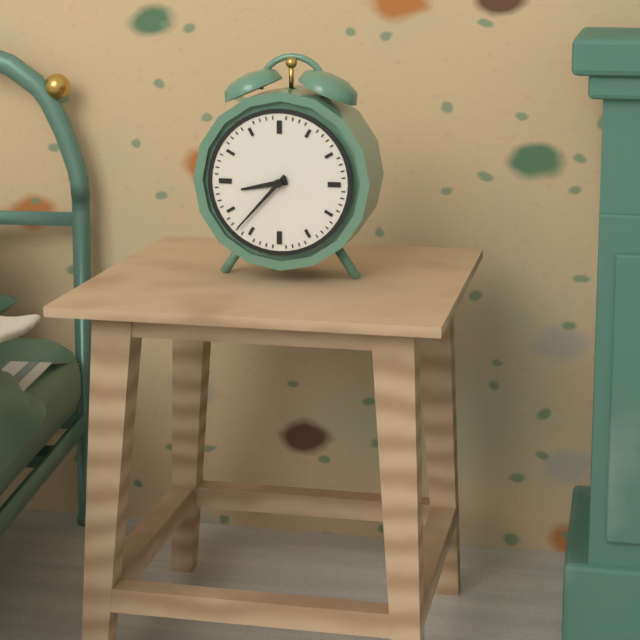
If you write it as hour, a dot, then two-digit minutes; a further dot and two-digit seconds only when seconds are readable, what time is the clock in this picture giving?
8.37
